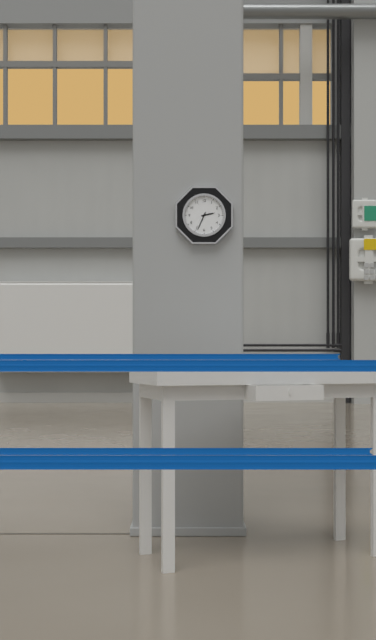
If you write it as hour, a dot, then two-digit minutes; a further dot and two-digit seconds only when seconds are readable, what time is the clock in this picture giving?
2.34
